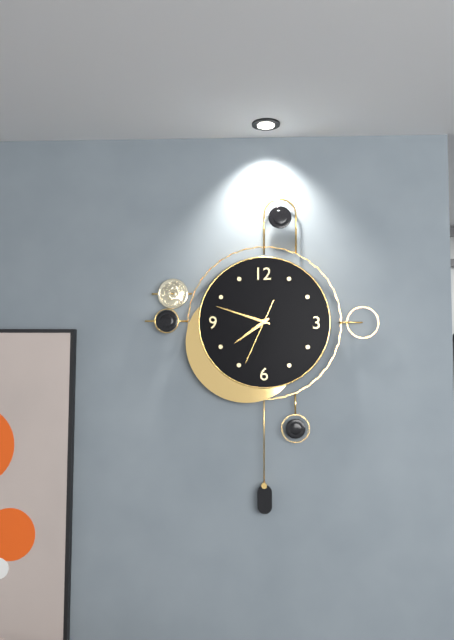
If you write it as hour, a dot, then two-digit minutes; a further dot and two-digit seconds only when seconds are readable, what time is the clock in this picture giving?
7.48.34
